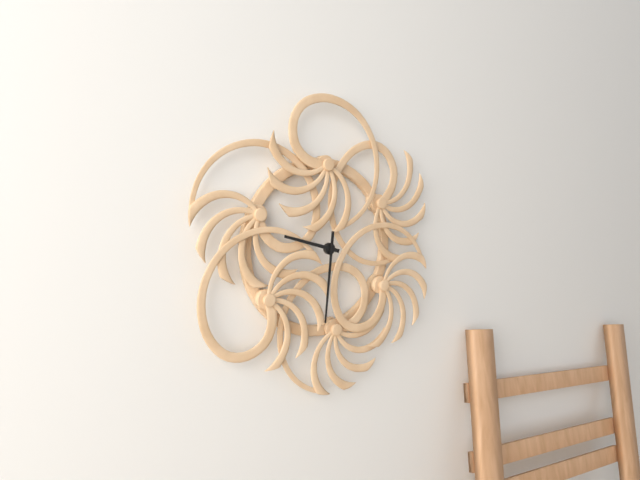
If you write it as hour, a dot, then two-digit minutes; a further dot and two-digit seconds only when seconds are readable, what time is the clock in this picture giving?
9.31
